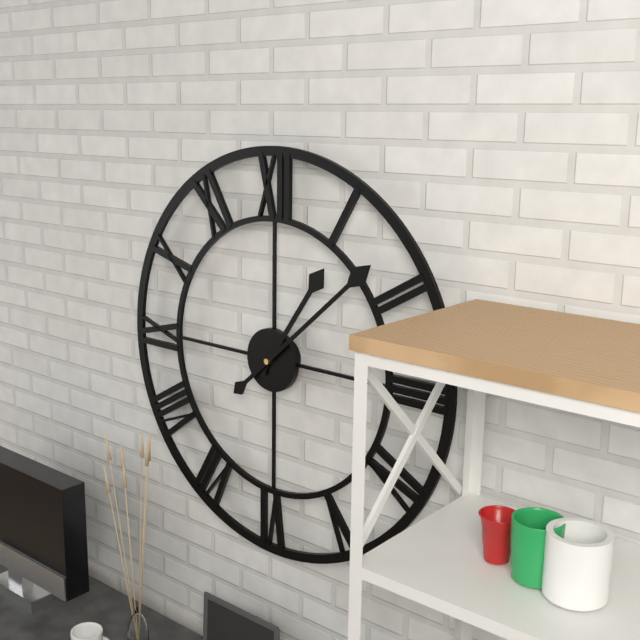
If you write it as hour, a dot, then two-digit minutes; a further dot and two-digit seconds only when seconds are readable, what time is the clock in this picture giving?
1.08
